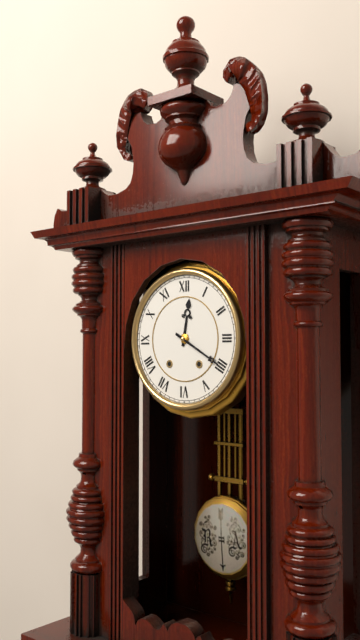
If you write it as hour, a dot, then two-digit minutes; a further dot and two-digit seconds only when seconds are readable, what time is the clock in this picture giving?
12.20
